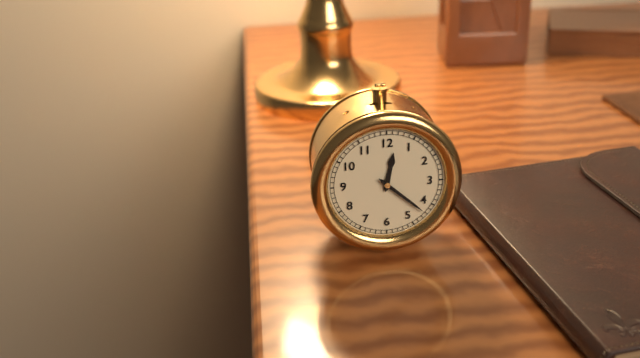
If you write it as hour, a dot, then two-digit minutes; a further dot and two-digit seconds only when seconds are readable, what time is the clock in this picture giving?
12.22
